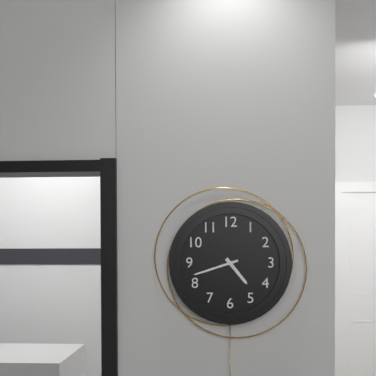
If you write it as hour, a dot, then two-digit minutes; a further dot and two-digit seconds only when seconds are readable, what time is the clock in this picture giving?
4.42
